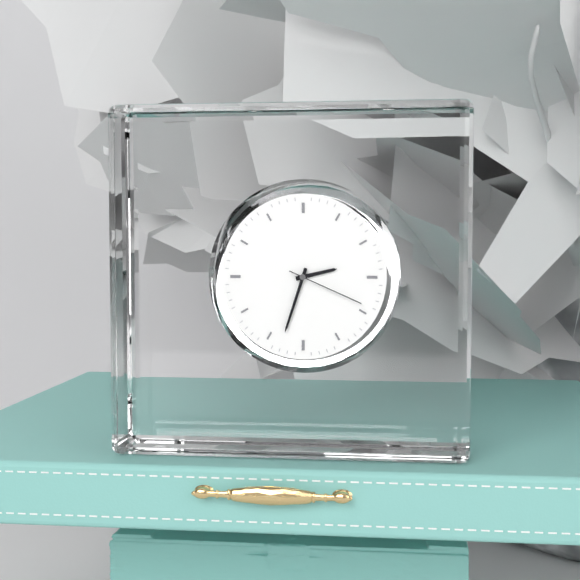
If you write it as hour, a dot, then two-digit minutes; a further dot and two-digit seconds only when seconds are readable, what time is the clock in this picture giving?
2.33.19
